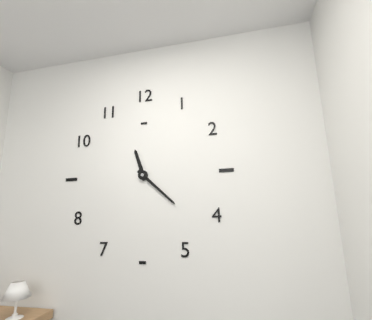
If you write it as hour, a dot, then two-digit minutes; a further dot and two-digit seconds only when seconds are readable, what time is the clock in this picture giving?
11.22
